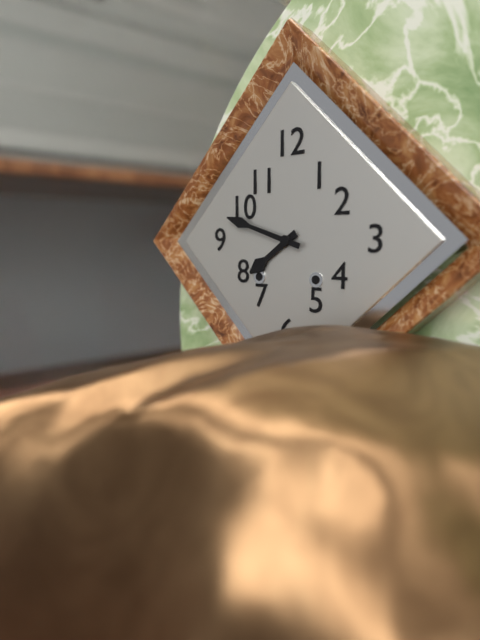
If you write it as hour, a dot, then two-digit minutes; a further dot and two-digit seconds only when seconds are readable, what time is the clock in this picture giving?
7.48
